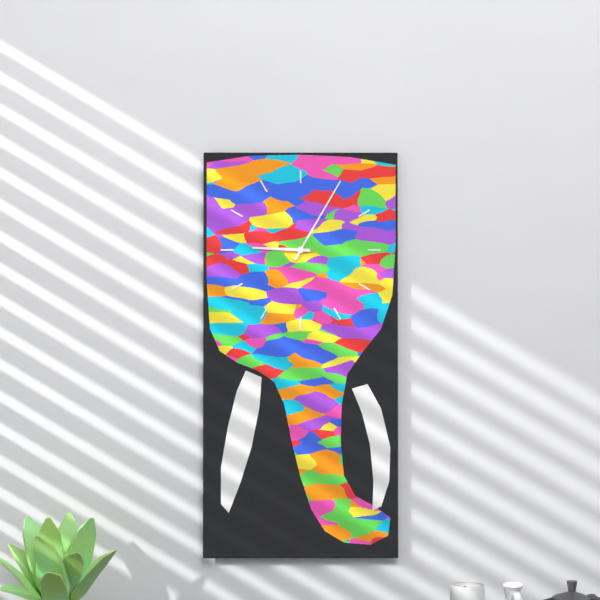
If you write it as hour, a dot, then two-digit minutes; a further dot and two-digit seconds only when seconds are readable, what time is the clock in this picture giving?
9.05
